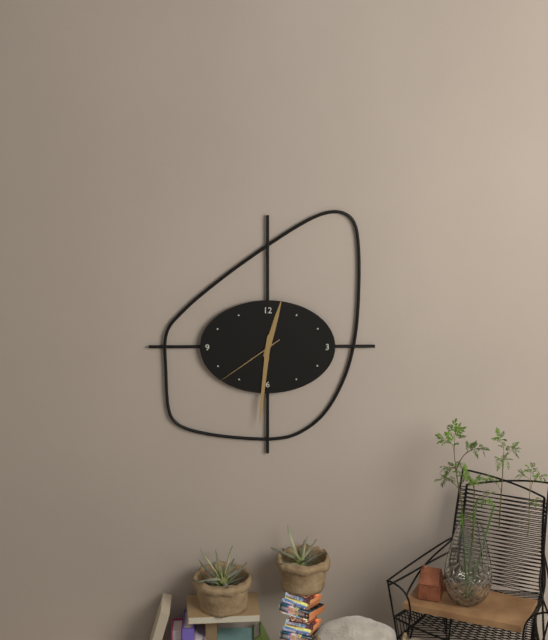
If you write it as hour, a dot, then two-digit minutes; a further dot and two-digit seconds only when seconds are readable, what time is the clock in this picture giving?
12.31.39
